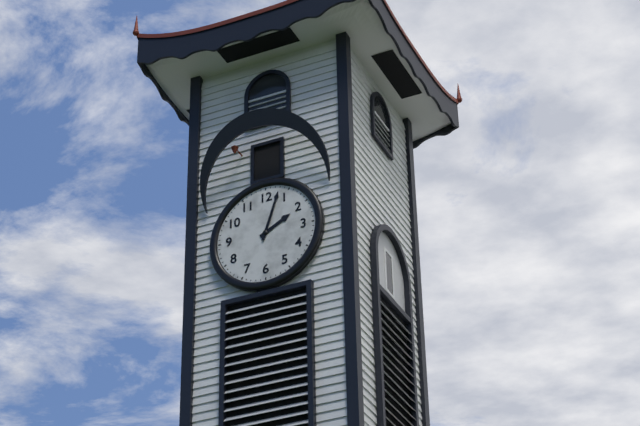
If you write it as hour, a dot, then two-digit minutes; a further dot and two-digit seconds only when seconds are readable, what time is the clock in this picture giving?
2.03
